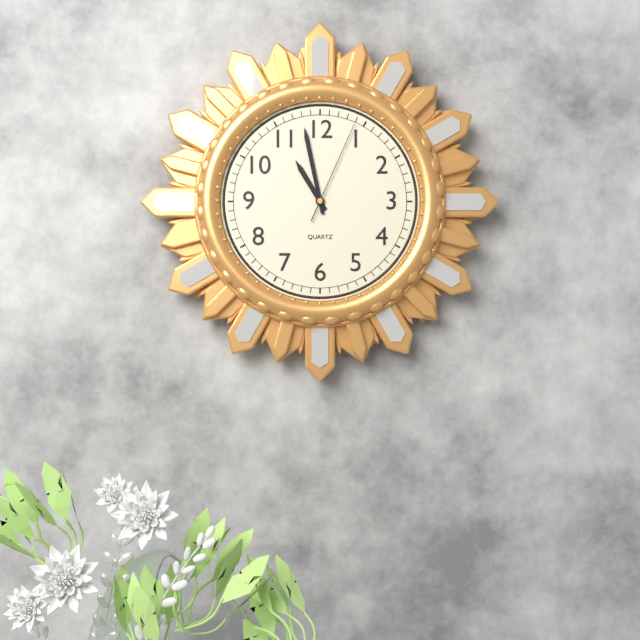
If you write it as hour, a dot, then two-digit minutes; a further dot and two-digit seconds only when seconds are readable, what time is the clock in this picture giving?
10.58.04
